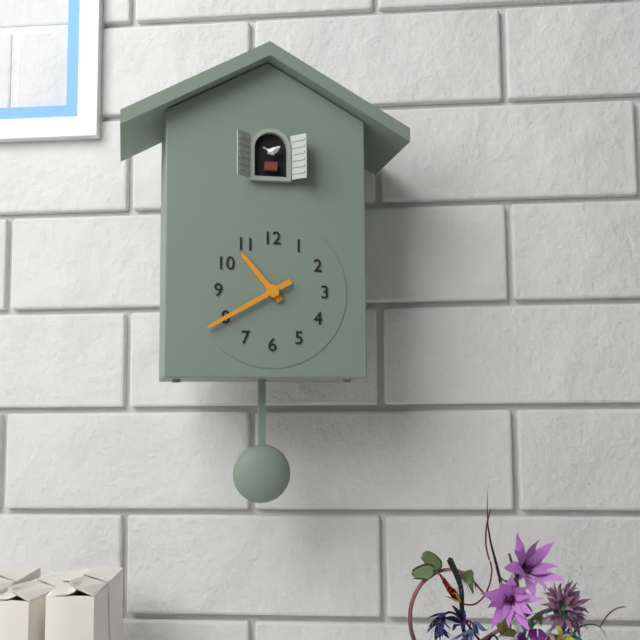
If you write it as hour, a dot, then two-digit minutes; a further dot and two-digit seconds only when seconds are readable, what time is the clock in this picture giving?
10.40
